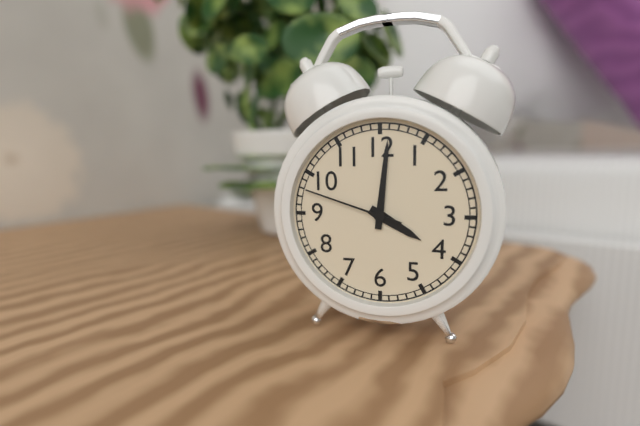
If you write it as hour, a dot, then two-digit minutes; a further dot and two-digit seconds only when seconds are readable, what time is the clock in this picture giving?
4.01.48
